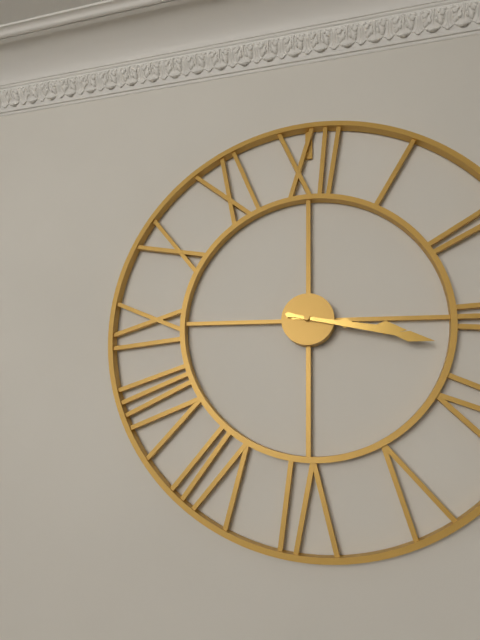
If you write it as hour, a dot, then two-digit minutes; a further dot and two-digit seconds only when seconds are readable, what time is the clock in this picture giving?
3.17
